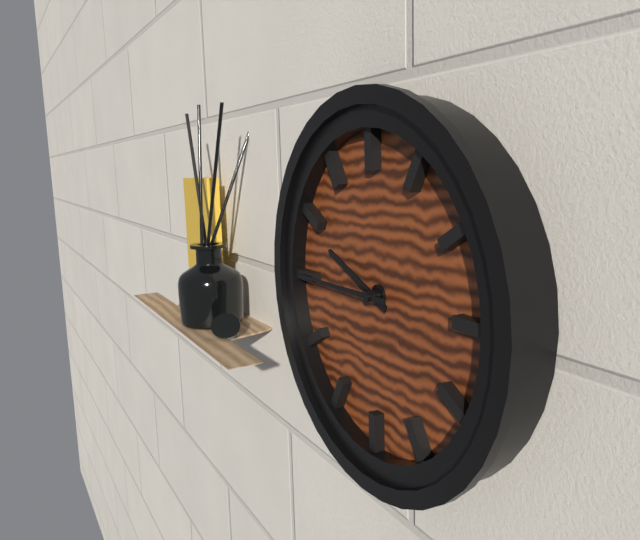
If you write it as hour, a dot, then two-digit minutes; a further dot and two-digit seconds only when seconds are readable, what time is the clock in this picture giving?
9.45
